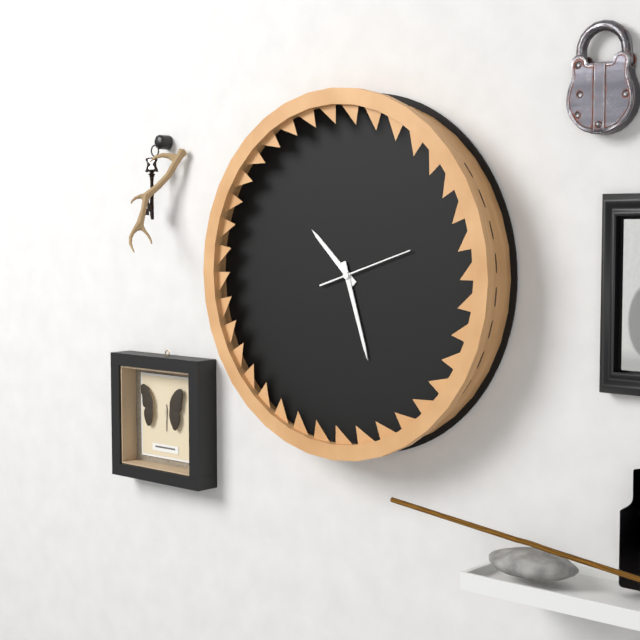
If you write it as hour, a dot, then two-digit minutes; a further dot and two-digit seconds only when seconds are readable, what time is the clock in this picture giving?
10.27.12
